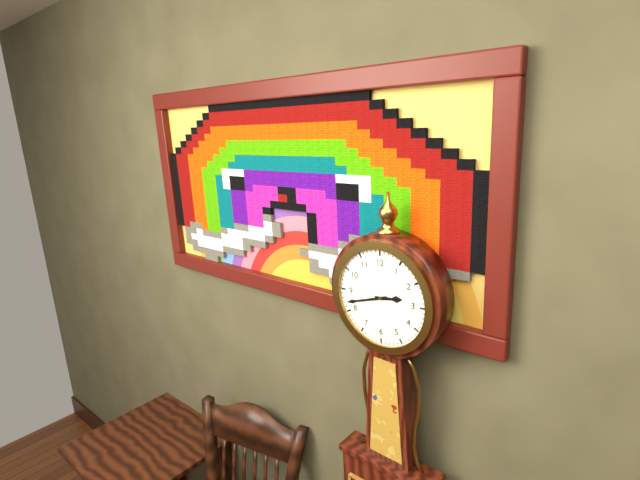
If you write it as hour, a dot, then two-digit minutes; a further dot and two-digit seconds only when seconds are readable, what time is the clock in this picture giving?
2.42
